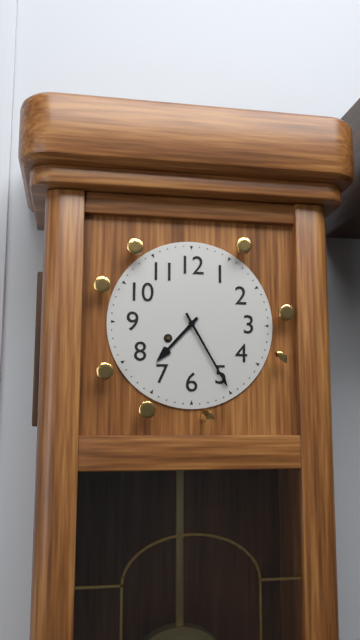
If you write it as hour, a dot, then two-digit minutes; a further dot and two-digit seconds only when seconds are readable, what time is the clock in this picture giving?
7.25
